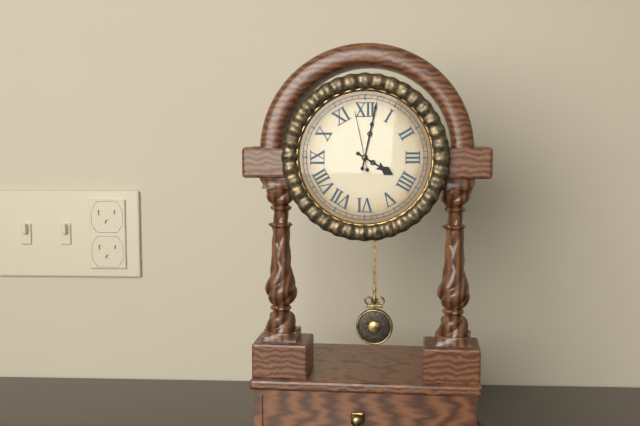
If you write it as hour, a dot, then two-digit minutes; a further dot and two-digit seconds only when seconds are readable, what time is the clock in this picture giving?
4.02.58
